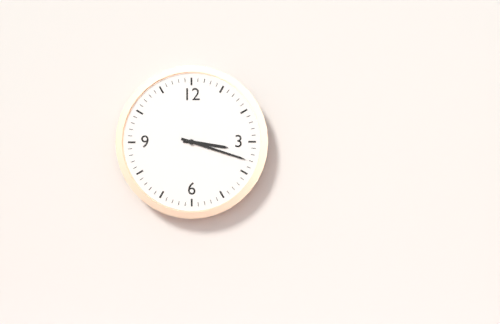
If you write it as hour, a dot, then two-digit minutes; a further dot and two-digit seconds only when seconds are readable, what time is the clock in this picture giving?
3.18
